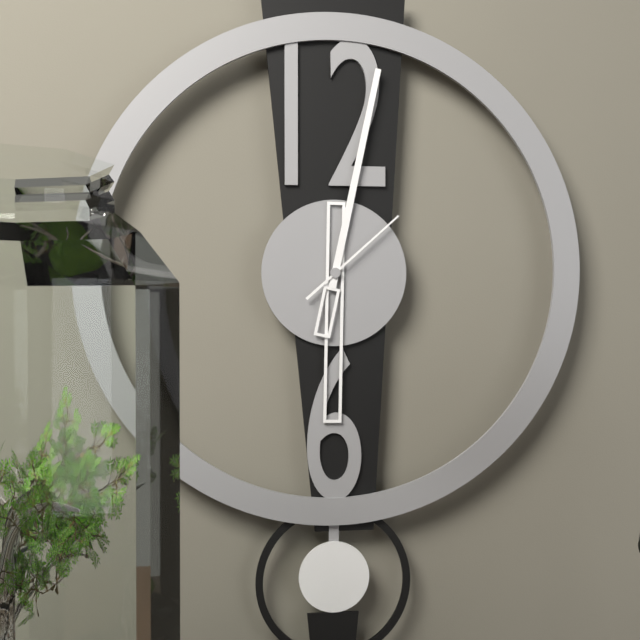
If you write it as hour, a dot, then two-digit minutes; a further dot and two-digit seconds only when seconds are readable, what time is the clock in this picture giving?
6.02.08
